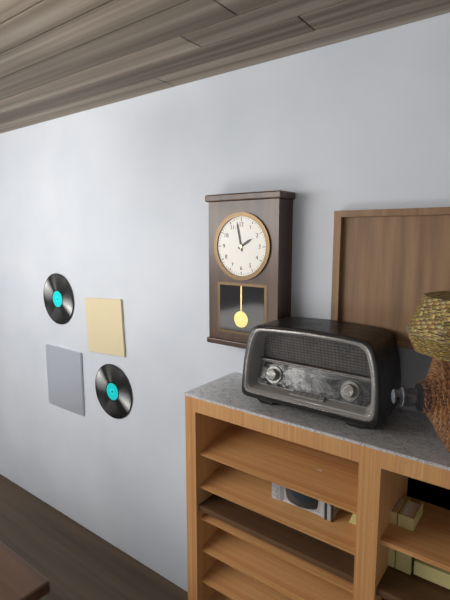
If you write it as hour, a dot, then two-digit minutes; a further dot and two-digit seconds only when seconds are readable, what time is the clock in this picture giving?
1.58
